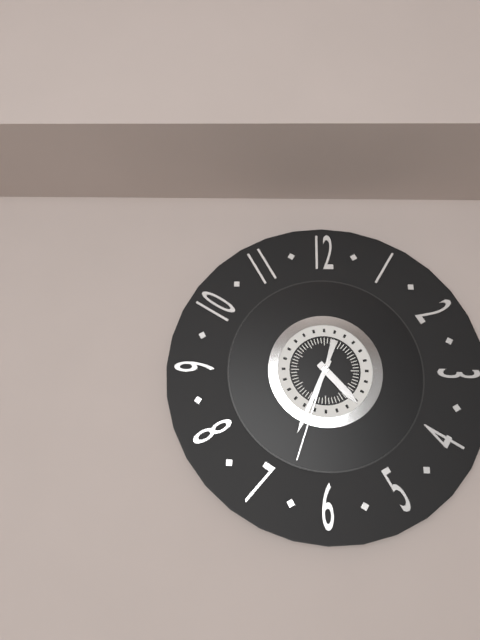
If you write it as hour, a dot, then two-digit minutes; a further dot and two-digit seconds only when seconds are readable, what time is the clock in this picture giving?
4.34.33
